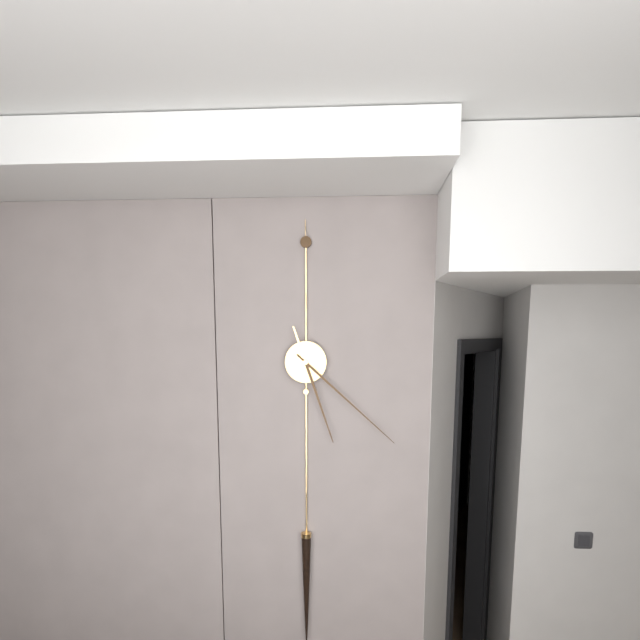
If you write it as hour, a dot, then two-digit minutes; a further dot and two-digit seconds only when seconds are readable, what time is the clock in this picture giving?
5.22
